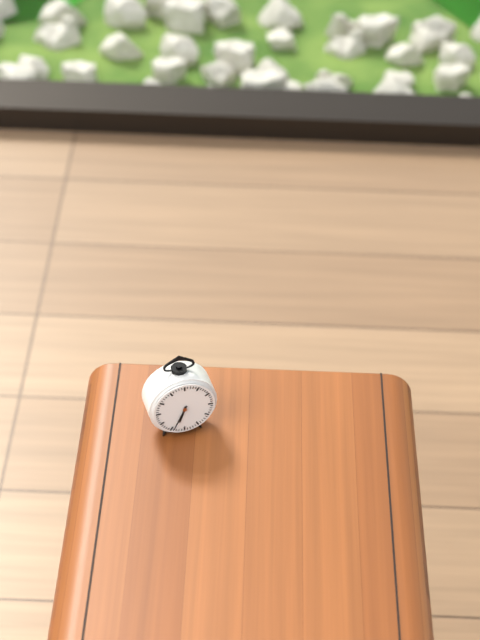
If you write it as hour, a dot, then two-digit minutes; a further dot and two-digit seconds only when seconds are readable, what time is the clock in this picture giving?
6.34
